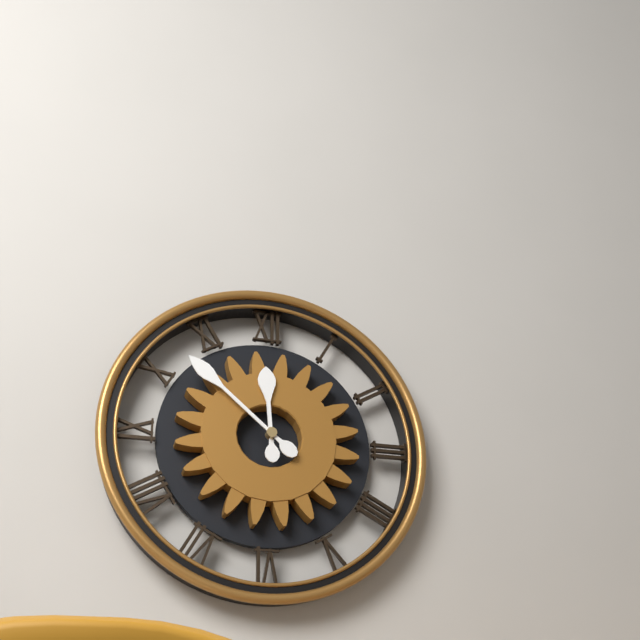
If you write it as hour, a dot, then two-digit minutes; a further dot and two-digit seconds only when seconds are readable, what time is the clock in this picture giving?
11.52
